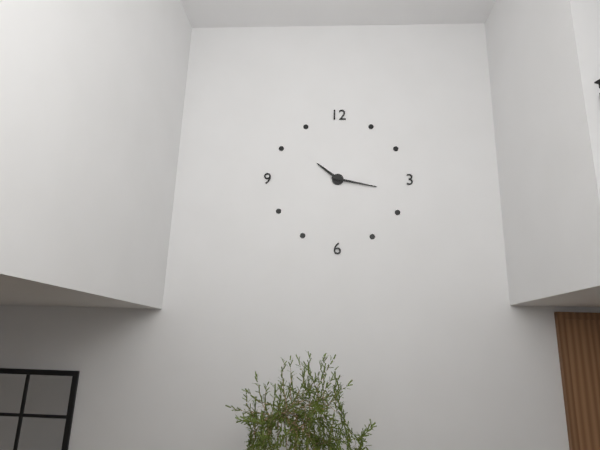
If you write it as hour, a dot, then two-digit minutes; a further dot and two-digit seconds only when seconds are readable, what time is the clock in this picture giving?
10.17
